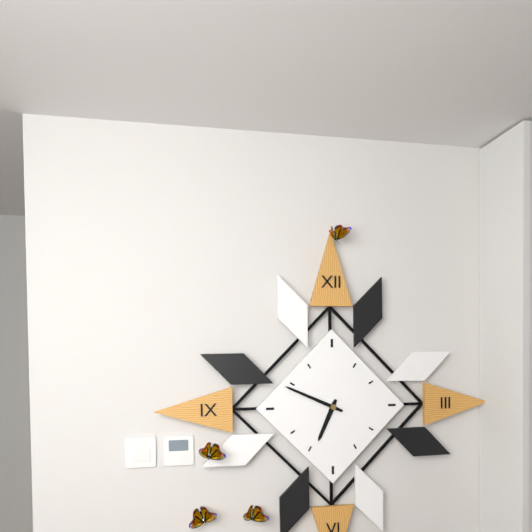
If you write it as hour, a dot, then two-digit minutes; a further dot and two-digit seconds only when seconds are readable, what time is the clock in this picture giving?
6.49
